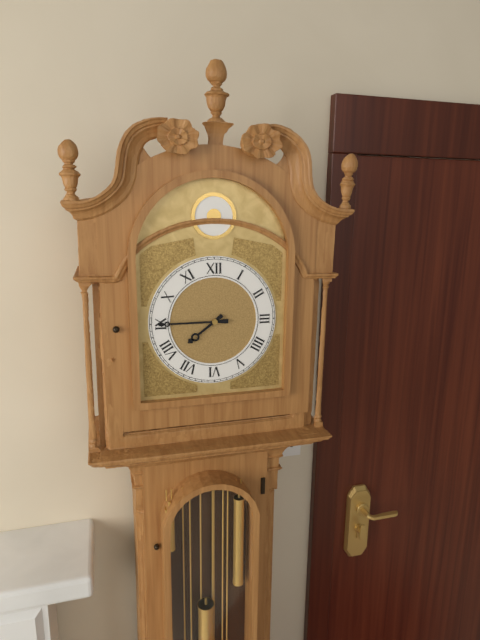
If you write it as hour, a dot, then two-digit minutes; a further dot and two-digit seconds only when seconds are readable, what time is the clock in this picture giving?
7.45
